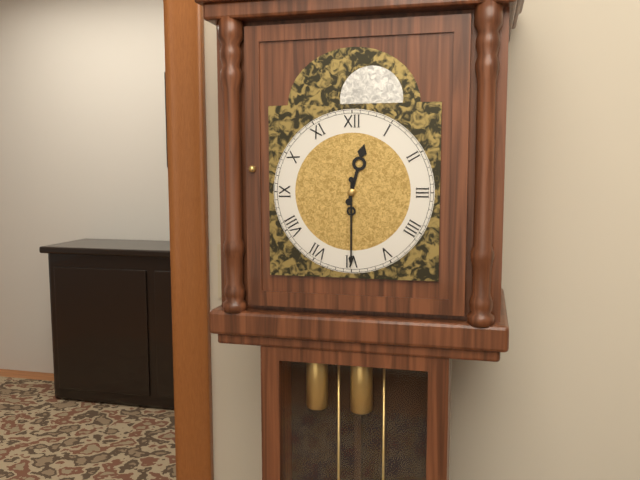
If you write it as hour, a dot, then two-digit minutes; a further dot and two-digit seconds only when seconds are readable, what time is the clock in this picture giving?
12.30
